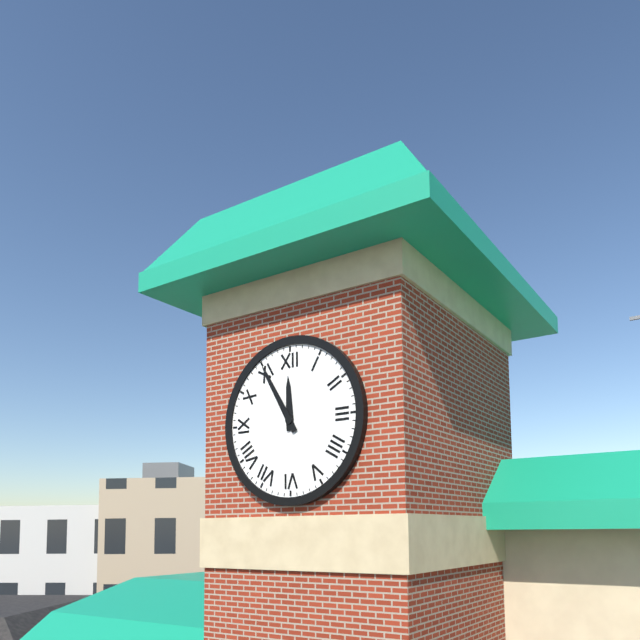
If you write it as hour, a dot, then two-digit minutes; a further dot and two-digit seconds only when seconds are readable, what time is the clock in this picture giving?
11.55
